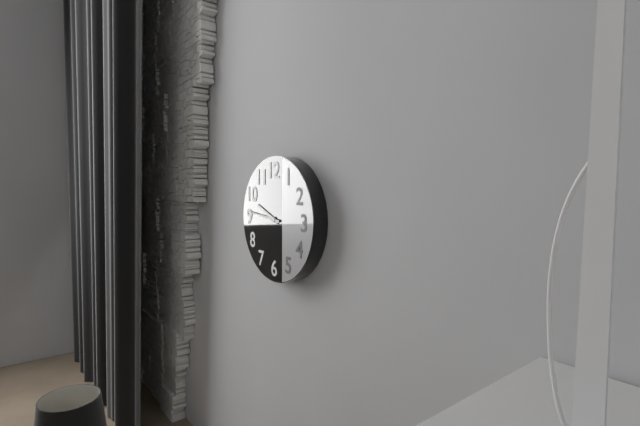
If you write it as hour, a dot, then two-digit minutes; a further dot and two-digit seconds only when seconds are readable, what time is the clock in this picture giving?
9.46
